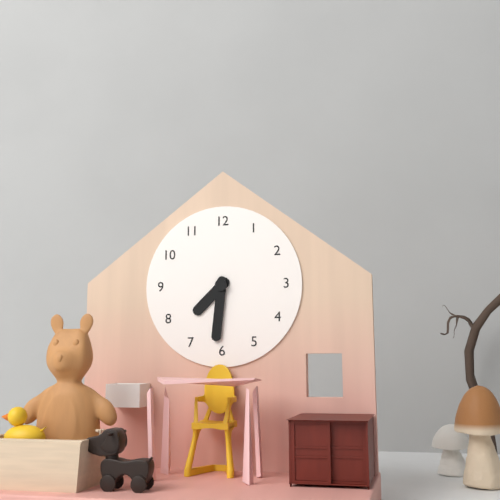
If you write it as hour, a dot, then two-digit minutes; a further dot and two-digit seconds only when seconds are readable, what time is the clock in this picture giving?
7.31
